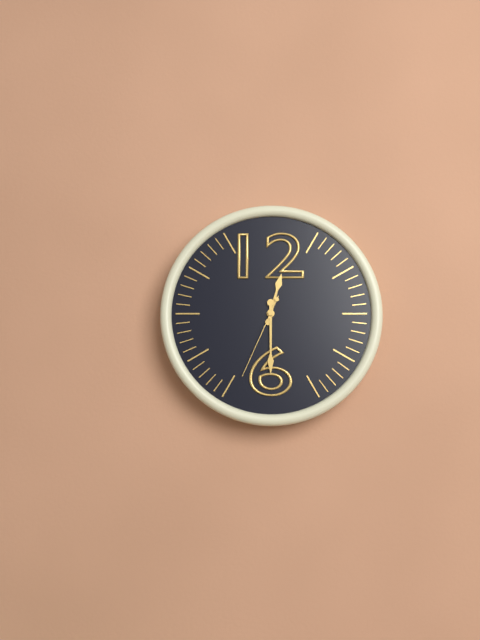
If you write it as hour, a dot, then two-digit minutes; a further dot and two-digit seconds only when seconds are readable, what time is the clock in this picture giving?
12.30.34
